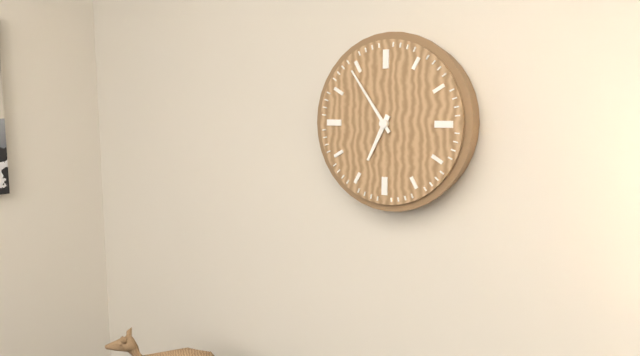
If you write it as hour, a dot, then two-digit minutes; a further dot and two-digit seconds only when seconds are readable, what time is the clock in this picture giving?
6.54
